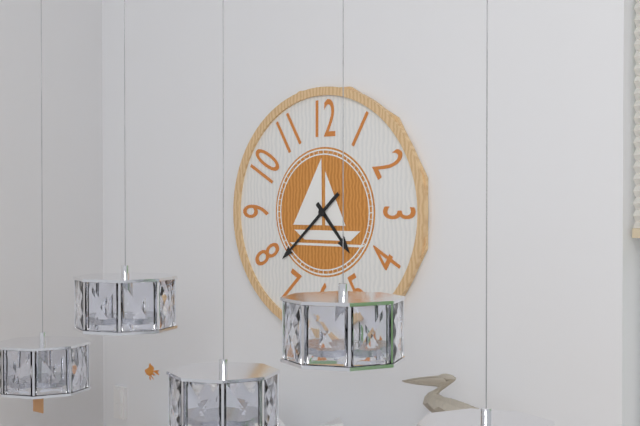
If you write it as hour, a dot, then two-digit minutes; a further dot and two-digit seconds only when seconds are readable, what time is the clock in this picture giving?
4.38
